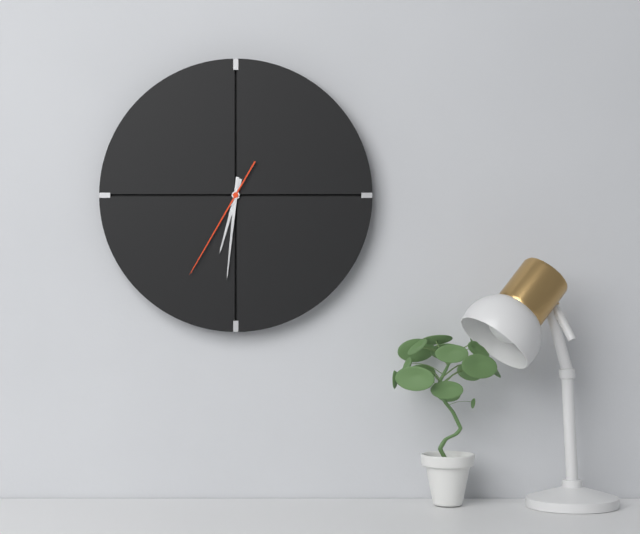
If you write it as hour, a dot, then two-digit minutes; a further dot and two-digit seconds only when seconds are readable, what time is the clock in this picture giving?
6.31.35
